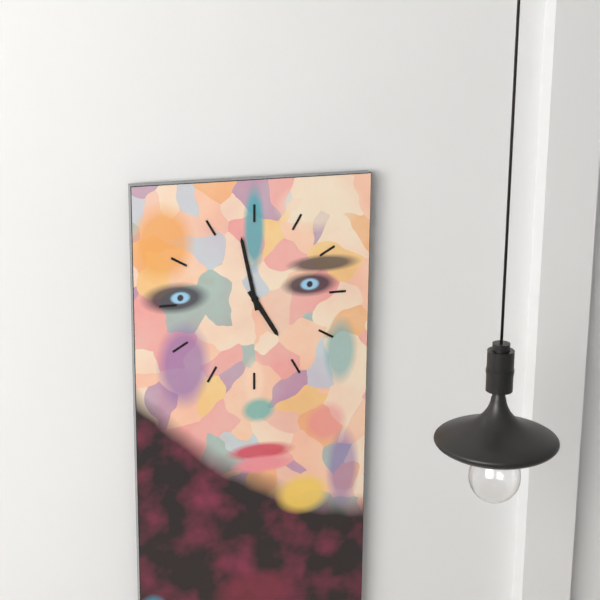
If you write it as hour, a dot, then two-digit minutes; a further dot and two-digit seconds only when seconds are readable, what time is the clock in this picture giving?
4.58
